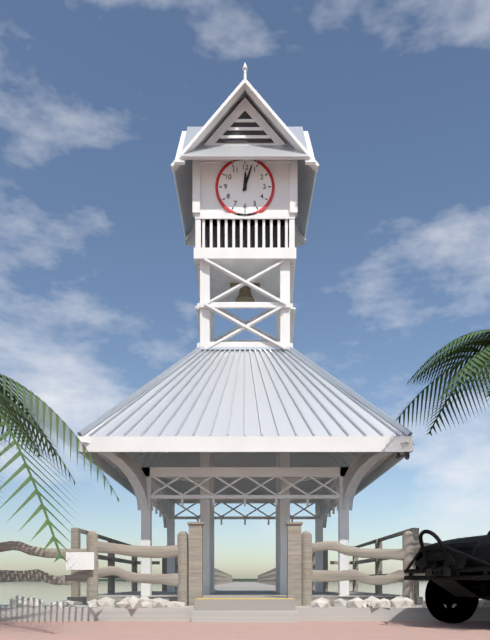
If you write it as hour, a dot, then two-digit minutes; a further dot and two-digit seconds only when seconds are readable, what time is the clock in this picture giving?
12.03
